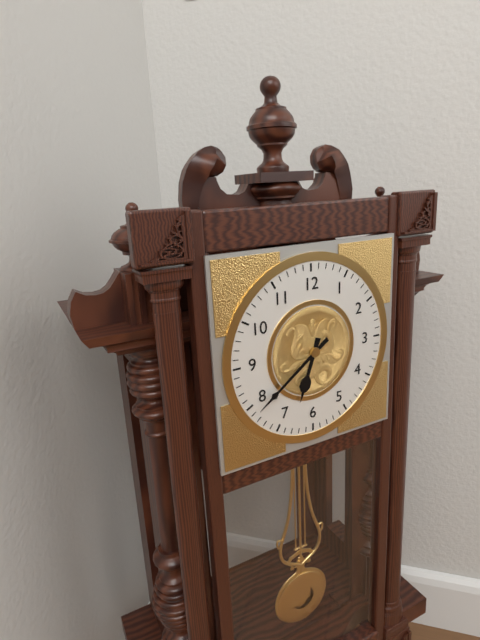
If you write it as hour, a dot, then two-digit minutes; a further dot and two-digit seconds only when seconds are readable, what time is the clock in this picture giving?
6.39
